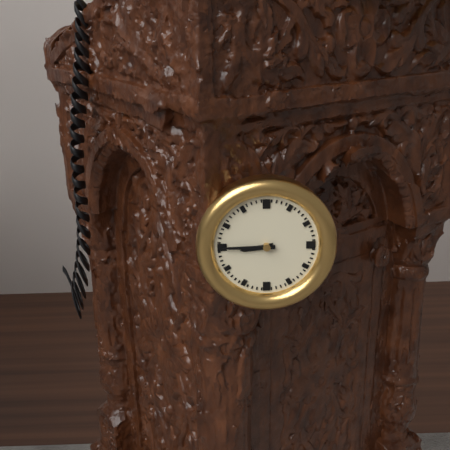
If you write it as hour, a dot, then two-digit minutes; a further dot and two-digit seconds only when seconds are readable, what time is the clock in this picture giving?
8.45
